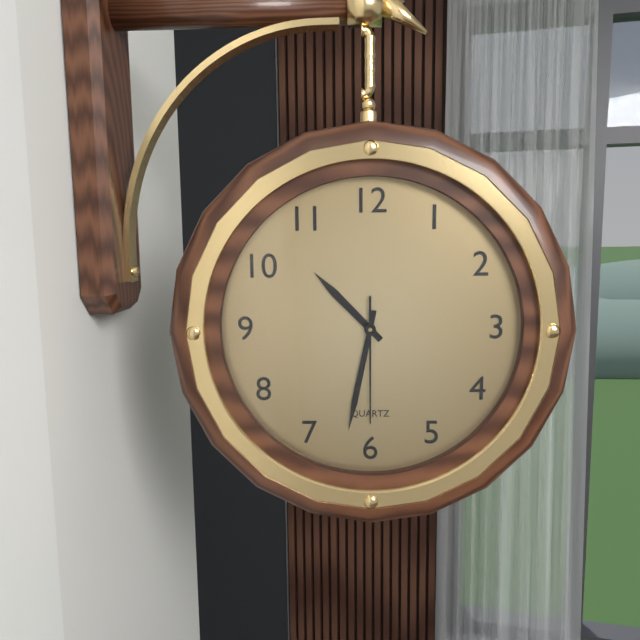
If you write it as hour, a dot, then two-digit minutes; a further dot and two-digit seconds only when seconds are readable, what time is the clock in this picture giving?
10.32.30
